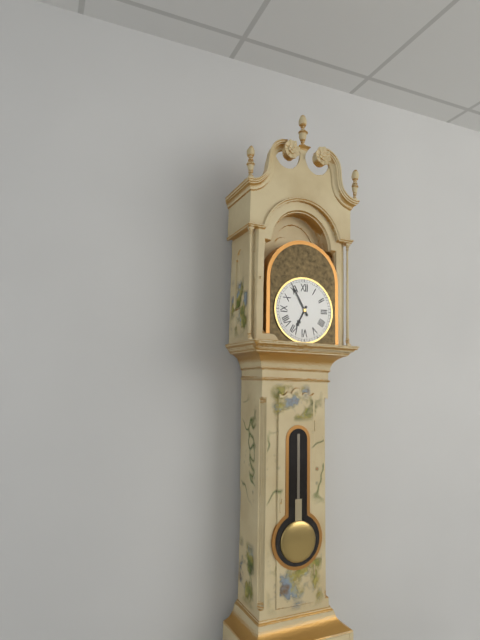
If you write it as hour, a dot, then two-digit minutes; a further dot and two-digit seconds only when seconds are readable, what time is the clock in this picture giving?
6.55
